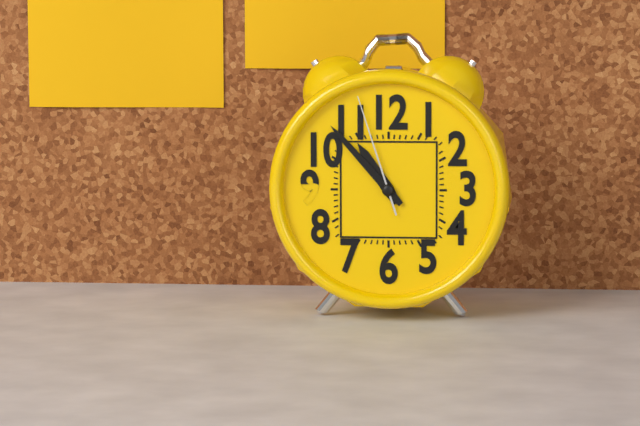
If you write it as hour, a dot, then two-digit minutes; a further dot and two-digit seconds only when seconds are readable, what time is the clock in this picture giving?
10.53.57
